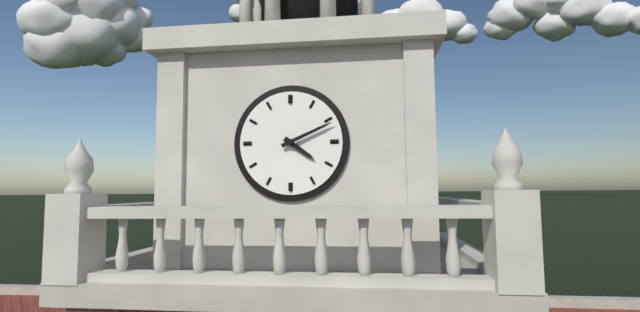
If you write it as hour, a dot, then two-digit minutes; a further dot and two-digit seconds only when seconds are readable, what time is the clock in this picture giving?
4.11
